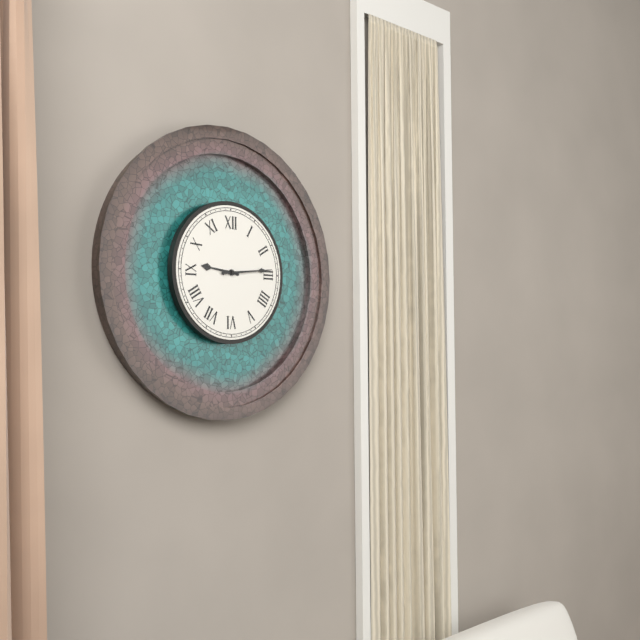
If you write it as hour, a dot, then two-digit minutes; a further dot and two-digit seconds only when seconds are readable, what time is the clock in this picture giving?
9.14
